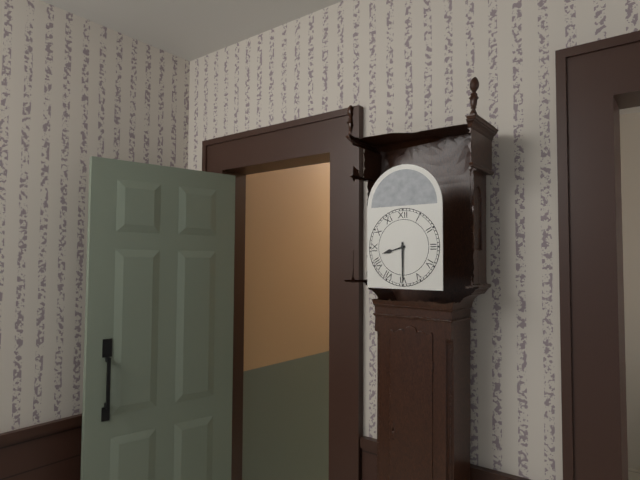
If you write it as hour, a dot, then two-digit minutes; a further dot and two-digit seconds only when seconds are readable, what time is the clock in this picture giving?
8.30
